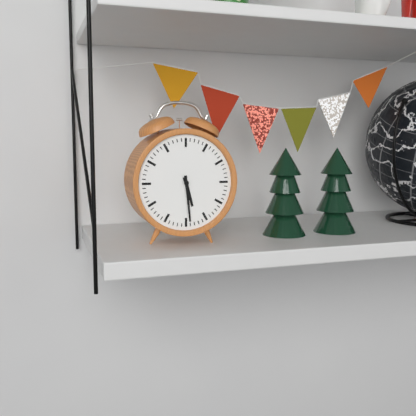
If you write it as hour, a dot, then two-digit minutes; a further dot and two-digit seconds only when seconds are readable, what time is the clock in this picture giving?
5.29
